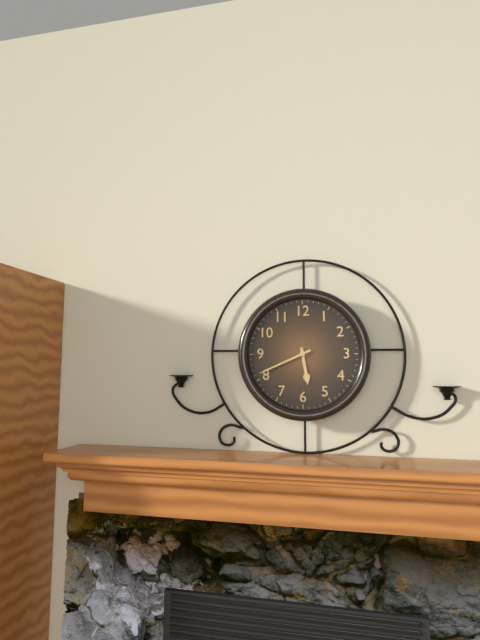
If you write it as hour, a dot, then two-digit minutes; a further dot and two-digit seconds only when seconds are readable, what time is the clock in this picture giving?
5.41
